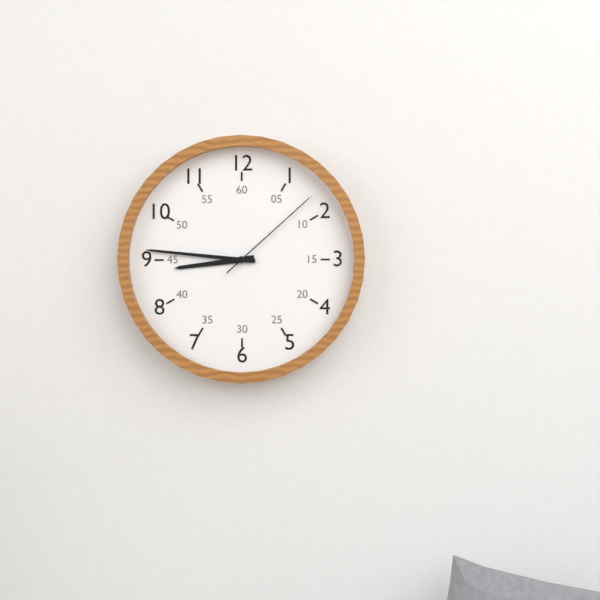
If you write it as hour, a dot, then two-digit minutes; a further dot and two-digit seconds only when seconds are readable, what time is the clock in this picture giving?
8.46.08
